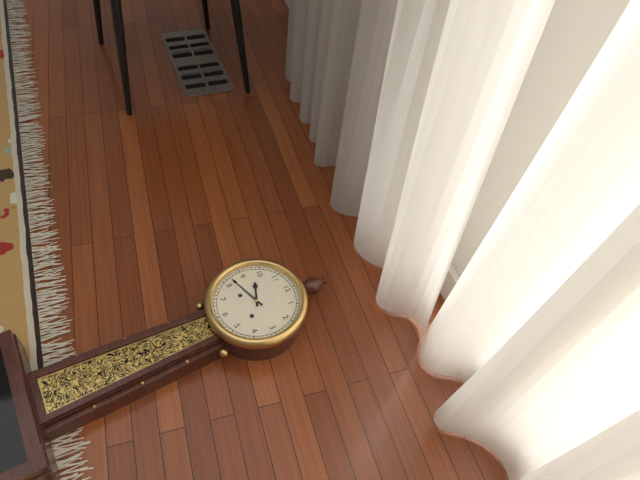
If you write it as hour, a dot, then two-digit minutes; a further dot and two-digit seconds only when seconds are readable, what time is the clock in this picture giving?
9.42
